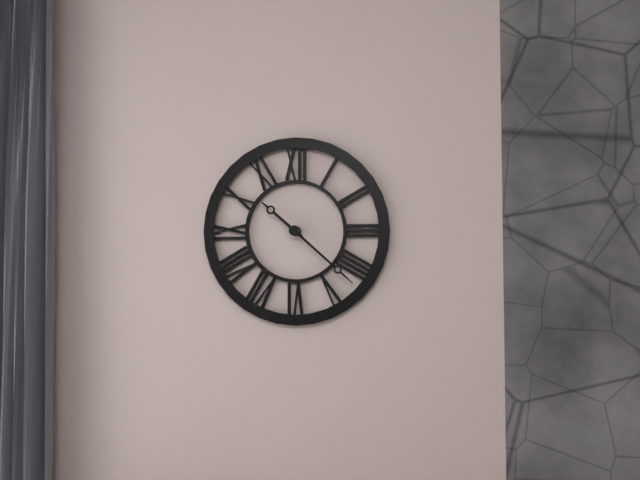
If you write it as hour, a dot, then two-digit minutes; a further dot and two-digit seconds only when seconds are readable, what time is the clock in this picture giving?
10.22
